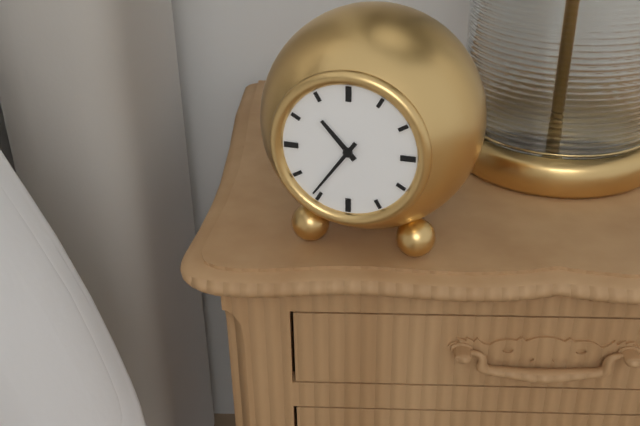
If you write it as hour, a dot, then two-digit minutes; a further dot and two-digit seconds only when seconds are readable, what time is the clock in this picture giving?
10.36
